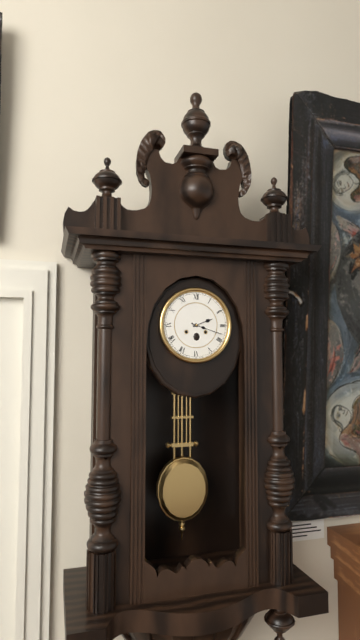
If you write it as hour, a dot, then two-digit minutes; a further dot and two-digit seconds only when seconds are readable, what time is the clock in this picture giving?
2.18
